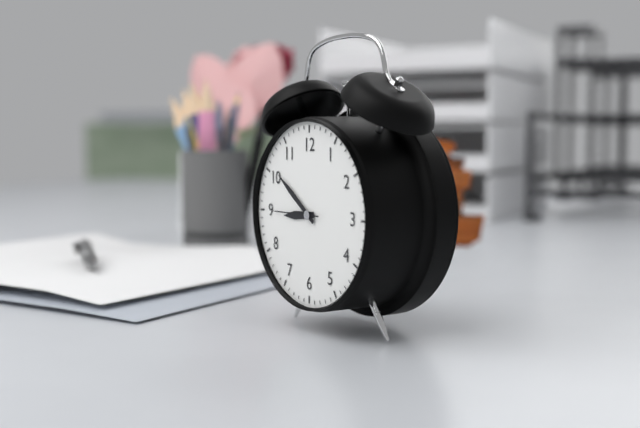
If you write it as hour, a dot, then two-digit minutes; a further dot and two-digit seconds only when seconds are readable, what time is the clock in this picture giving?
8.51
